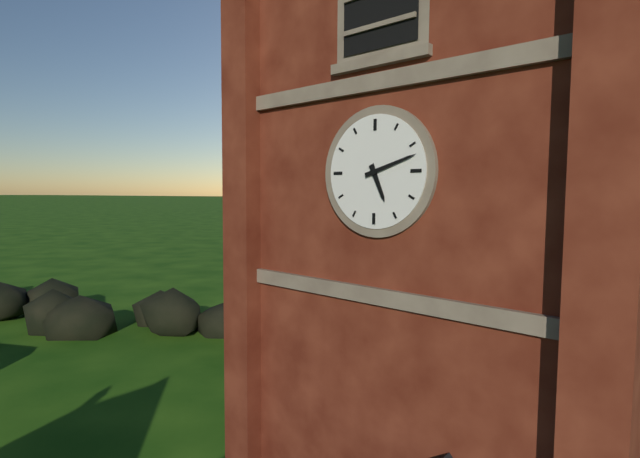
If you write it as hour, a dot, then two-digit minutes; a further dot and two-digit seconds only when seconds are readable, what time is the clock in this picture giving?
5.12
